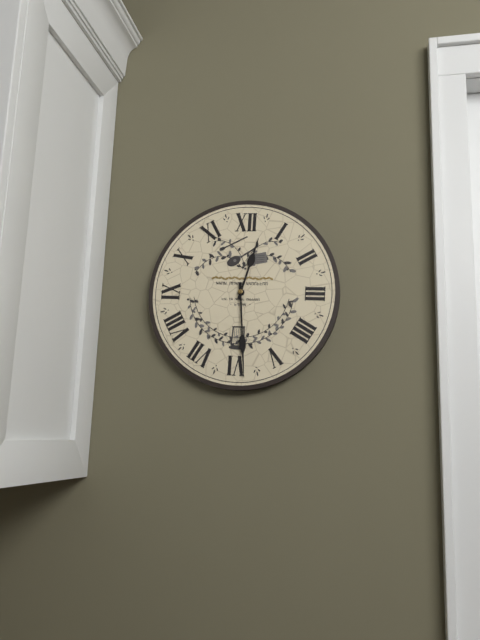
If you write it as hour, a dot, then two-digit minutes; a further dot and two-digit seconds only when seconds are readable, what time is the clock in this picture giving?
12.29
